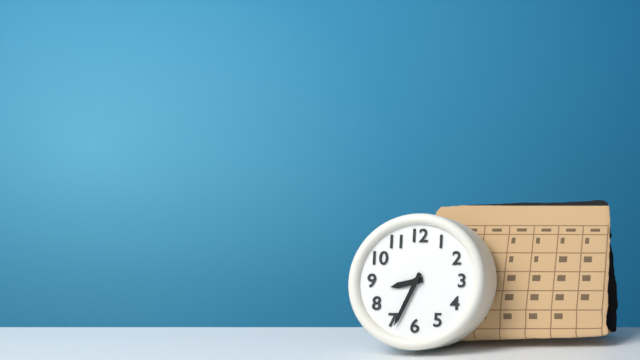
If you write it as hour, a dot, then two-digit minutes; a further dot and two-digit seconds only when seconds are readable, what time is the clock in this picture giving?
8.34
